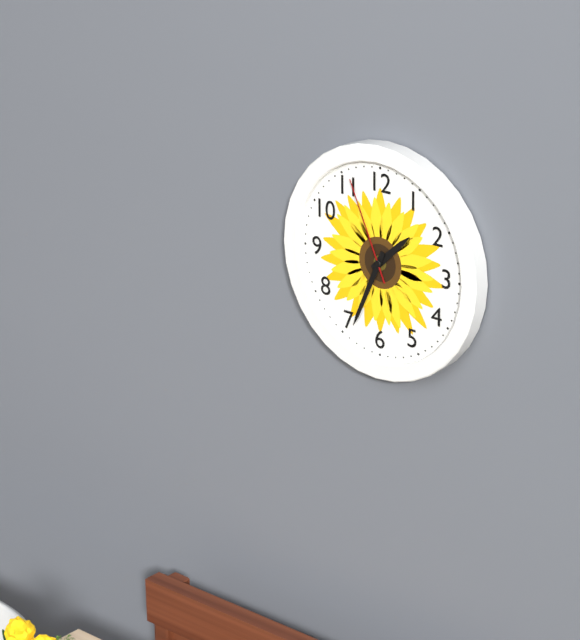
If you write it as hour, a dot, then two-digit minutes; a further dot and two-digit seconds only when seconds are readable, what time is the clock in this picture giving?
1.34.56
